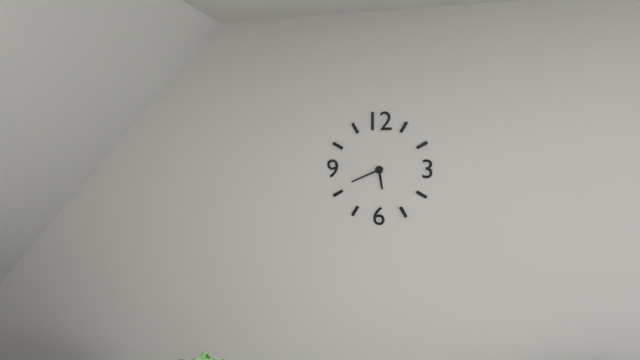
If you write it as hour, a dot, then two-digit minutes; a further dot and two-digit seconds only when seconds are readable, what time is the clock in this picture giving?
5.41
